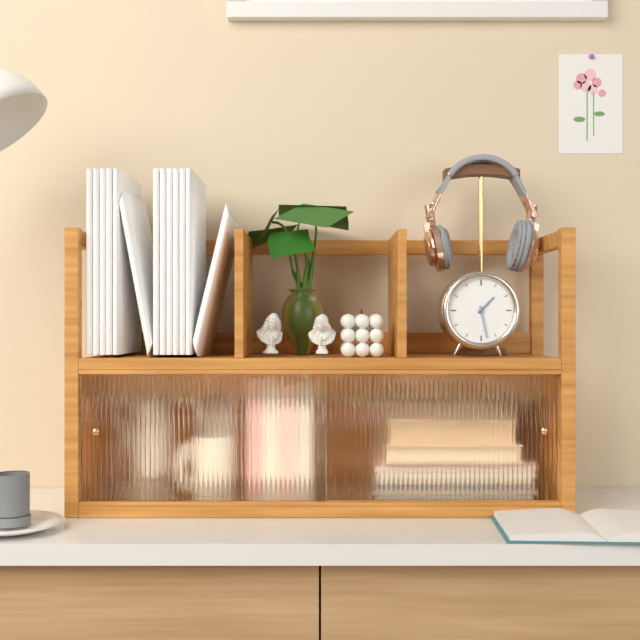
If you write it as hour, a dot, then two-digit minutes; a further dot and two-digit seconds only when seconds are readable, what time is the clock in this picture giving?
1.28
